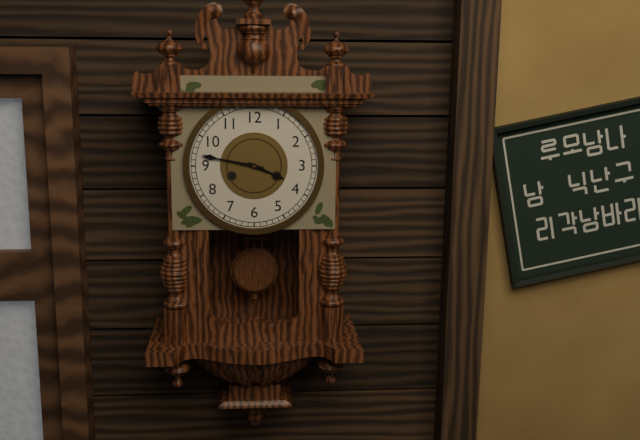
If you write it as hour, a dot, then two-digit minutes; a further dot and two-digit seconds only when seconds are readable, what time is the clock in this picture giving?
3.47
